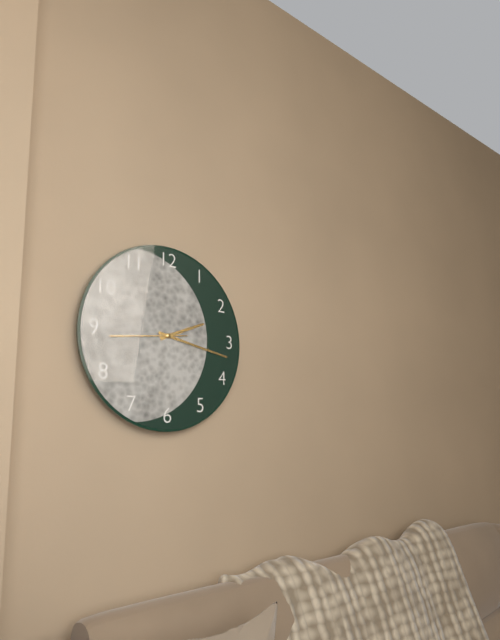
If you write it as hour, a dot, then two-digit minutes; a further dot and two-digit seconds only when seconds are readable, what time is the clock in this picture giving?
2.17.44
